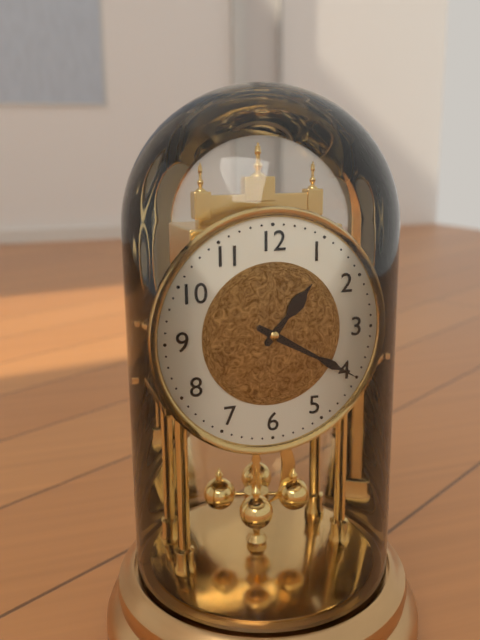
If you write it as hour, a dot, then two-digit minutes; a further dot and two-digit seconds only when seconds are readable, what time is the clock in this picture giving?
1.20
